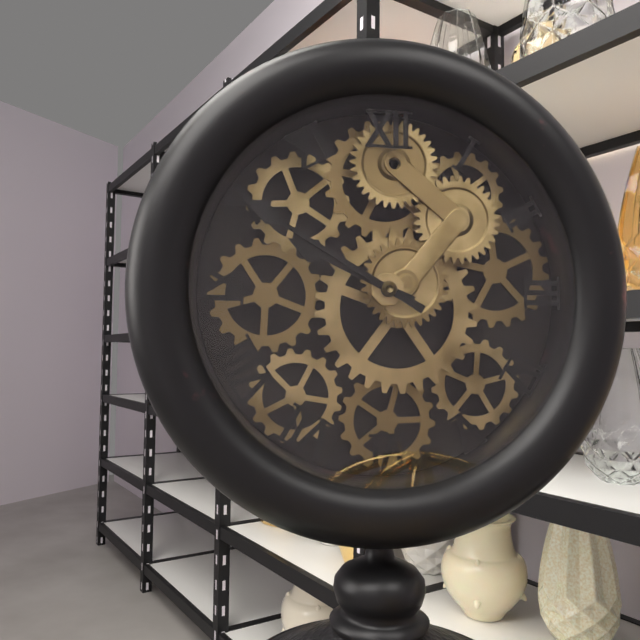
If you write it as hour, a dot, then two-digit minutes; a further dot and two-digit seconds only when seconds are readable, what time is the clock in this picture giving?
9.50
